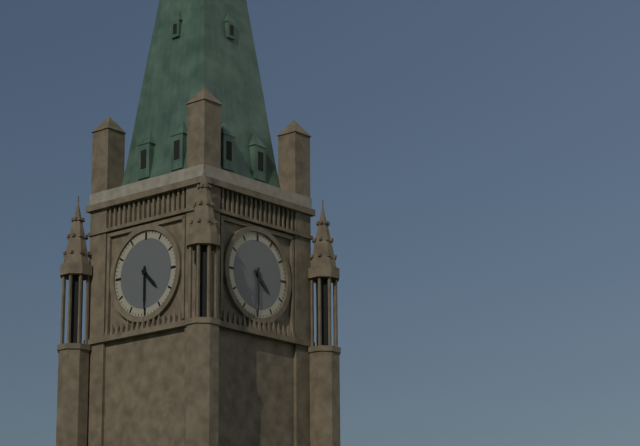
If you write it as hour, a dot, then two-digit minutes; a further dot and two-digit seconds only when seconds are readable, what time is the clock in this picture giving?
4.30
